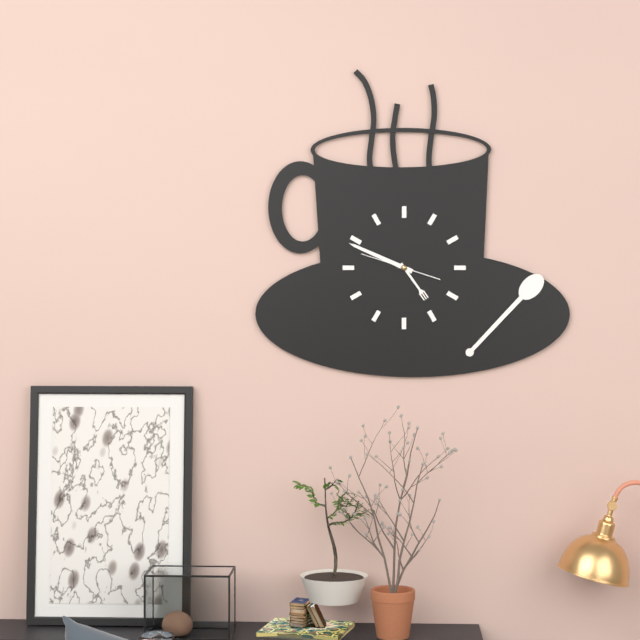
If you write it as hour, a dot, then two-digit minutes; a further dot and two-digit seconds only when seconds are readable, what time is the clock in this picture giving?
4.49.48
